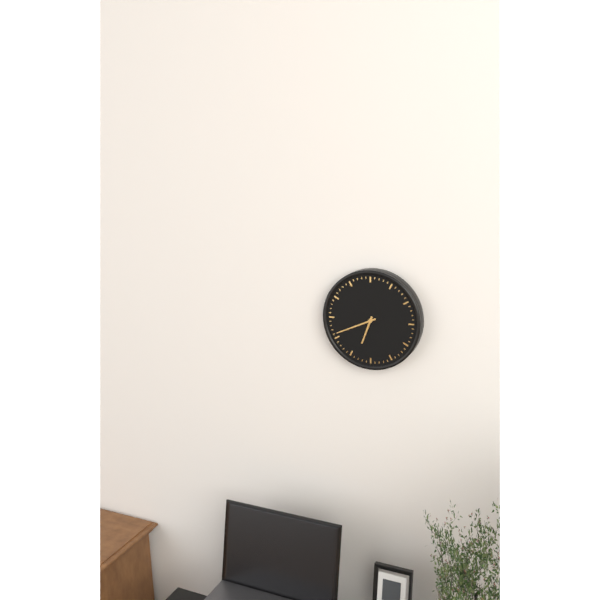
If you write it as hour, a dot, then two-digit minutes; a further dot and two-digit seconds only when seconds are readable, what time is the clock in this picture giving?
6.41
